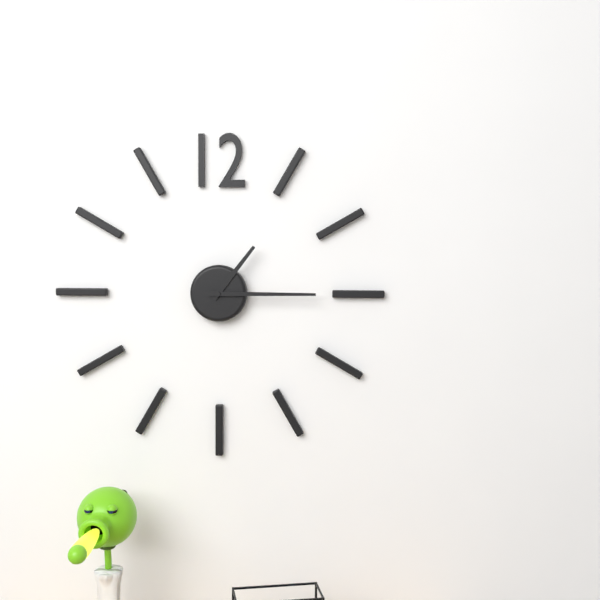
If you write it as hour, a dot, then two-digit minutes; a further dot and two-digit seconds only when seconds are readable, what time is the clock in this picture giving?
1.15
